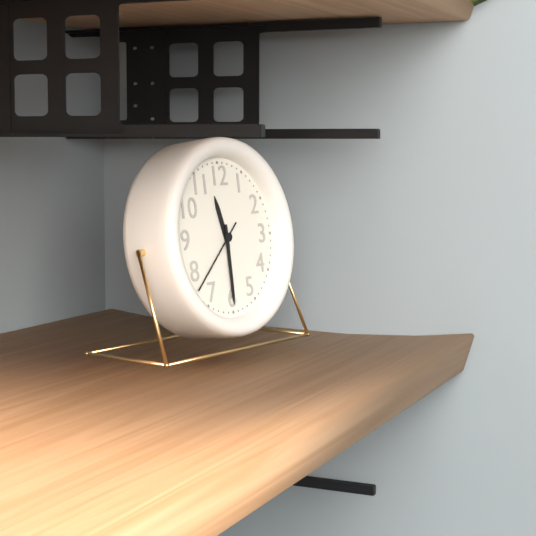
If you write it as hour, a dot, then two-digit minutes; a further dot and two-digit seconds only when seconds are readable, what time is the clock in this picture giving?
11.30.38
